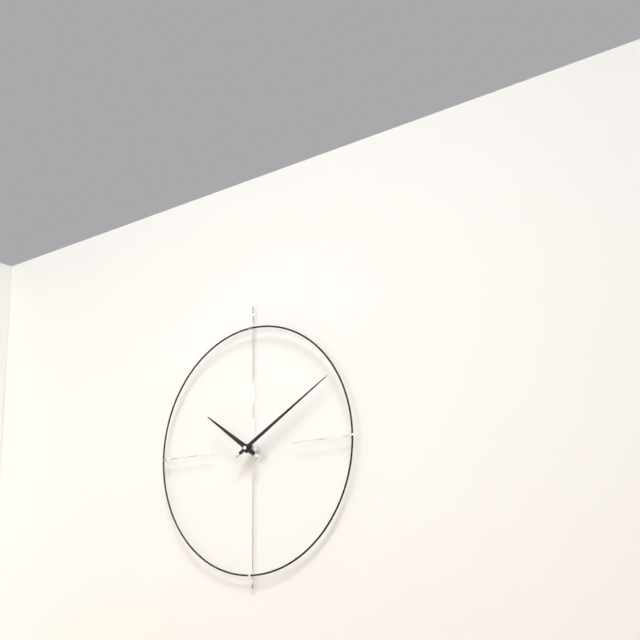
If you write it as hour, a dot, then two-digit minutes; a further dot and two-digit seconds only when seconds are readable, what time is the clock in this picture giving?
10.10
